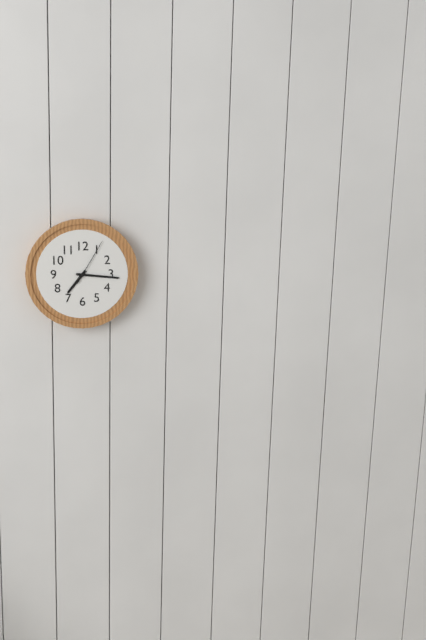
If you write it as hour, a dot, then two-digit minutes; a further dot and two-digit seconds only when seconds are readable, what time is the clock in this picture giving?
7.16
